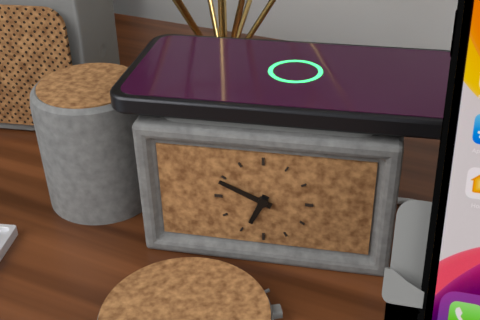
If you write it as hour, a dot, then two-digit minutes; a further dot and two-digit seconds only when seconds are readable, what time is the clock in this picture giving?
6.49
